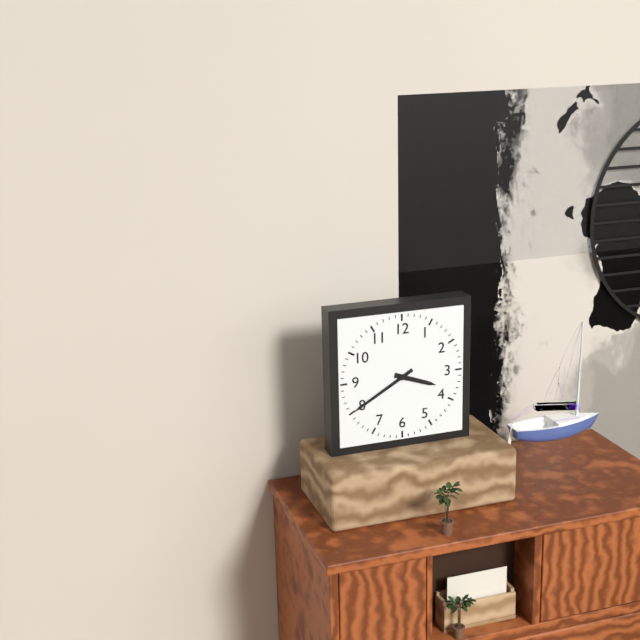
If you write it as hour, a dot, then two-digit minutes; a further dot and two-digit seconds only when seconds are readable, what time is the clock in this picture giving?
3.40
